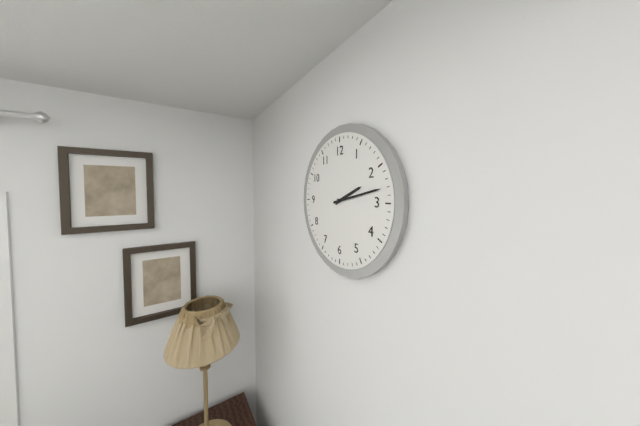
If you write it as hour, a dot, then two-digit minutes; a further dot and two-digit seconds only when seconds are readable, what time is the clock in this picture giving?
2.13
